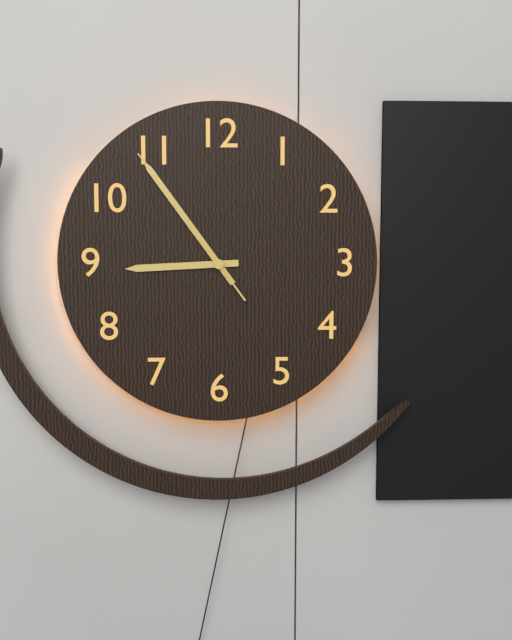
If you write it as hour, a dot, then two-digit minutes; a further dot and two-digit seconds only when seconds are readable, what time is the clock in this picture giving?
8.54.54
